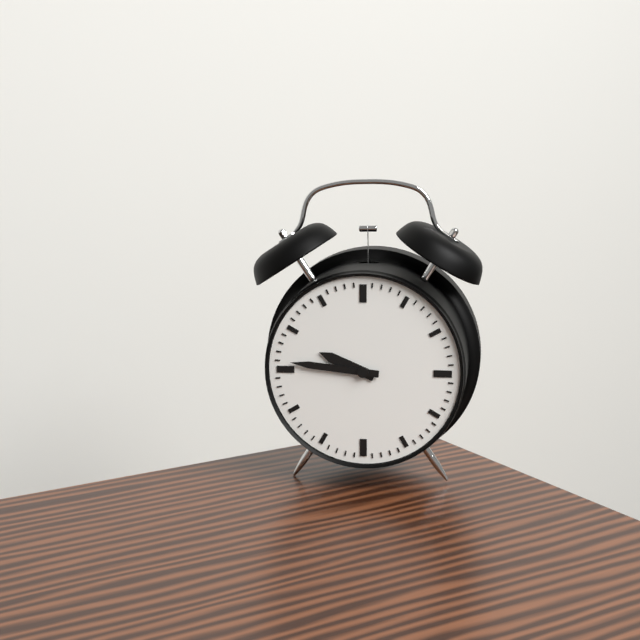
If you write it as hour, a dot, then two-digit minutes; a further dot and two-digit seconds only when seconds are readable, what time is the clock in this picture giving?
9.46
